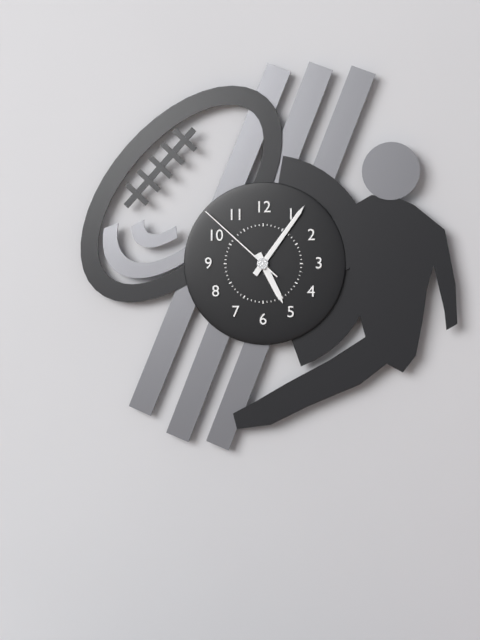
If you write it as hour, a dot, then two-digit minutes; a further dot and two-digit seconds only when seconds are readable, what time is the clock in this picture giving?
5.06.52
